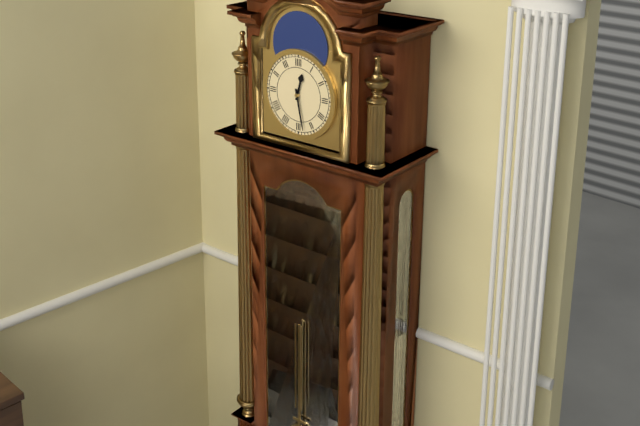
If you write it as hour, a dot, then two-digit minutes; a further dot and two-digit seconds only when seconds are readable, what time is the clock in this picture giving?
12.28
